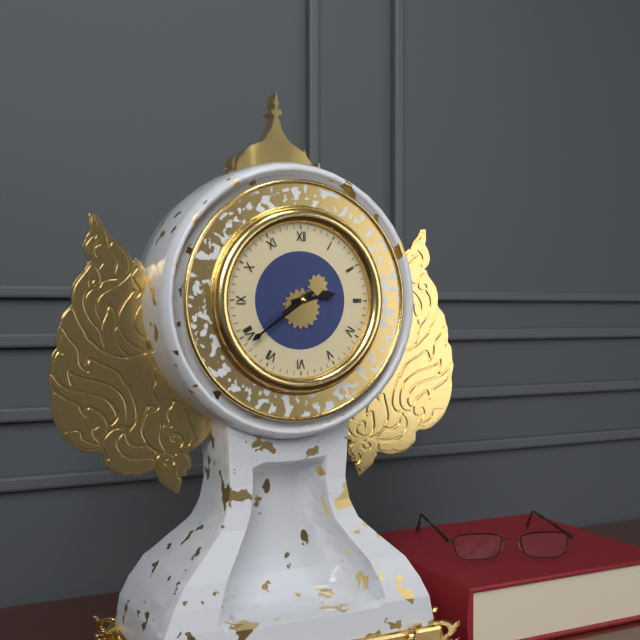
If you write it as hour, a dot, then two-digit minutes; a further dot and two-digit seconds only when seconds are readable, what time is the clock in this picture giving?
2.39
